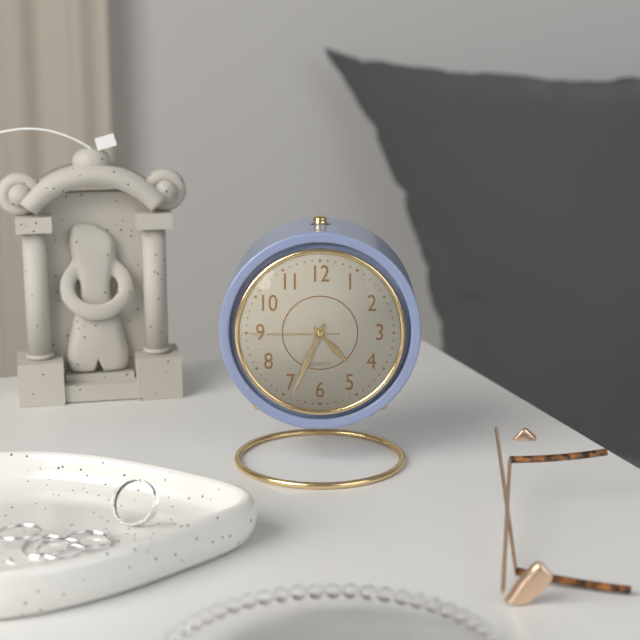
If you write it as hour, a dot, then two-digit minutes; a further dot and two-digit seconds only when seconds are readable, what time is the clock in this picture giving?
4.34.45
